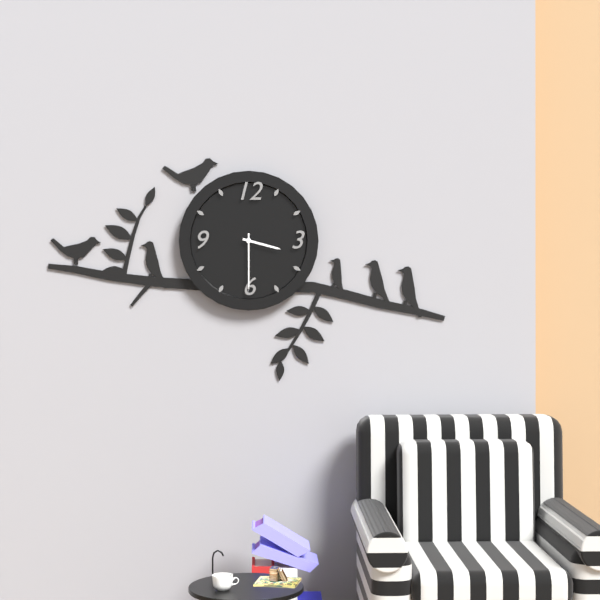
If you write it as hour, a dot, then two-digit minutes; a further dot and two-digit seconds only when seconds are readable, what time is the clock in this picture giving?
3.30
